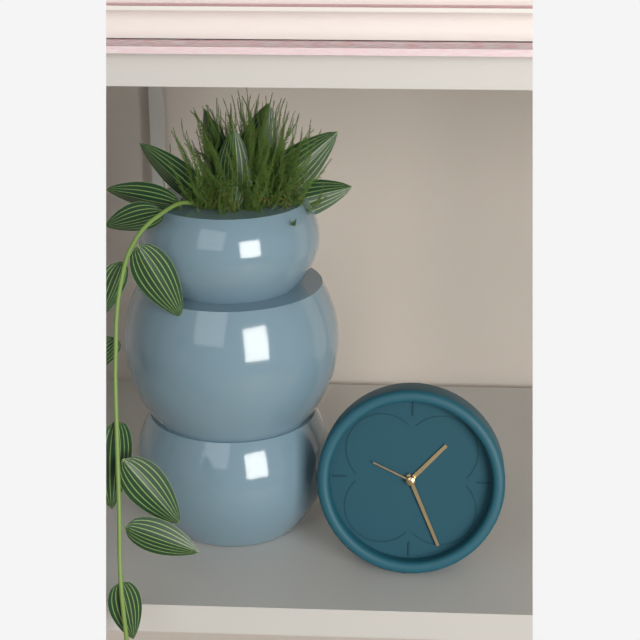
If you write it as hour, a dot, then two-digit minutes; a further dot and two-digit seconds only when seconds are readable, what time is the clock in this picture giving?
1.26.49
